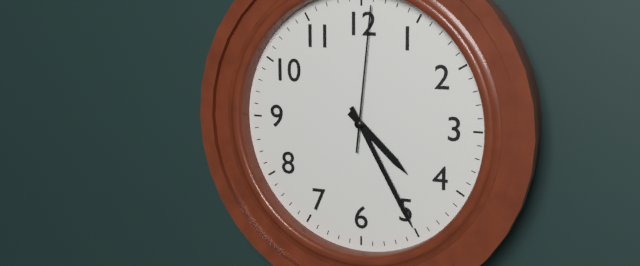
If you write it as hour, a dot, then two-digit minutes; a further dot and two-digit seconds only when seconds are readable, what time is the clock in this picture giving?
4.25.01
